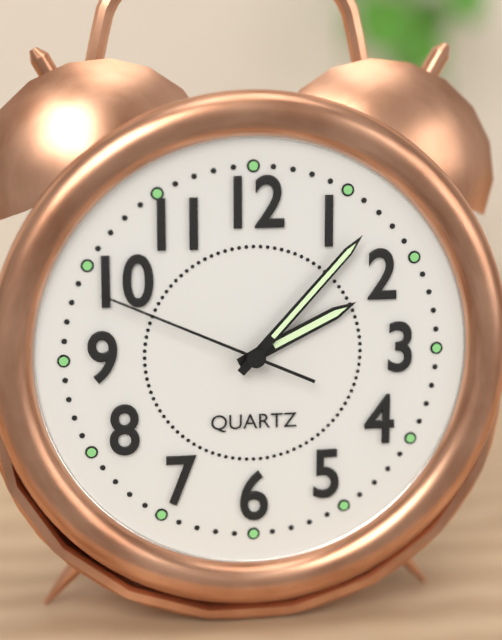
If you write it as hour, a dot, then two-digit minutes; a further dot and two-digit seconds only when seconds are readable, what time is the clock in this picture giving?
2.07.49
